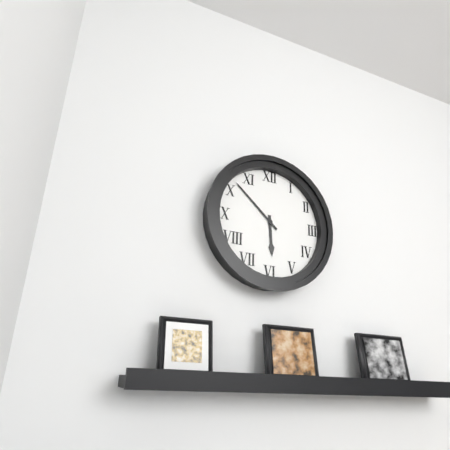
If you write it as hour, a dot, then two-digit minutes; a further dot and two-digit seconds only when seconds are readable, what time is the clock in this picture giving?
5.52
